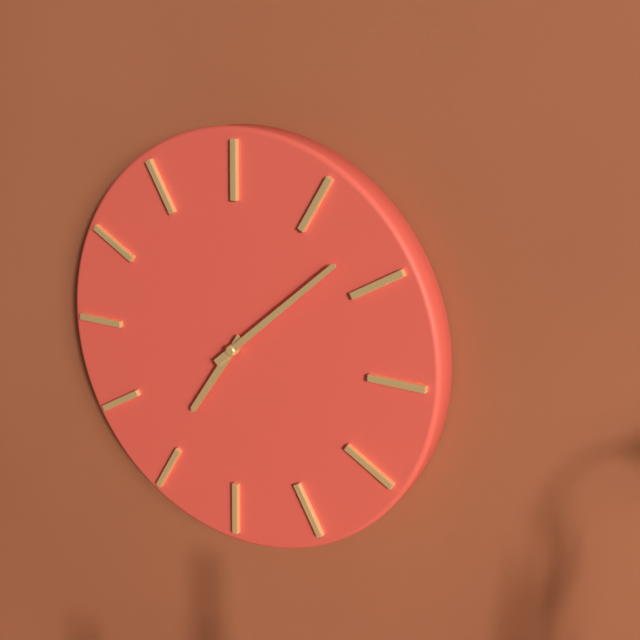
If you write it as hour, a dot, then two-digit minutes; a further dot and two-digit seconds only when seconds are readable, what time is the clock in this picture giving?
7.08
